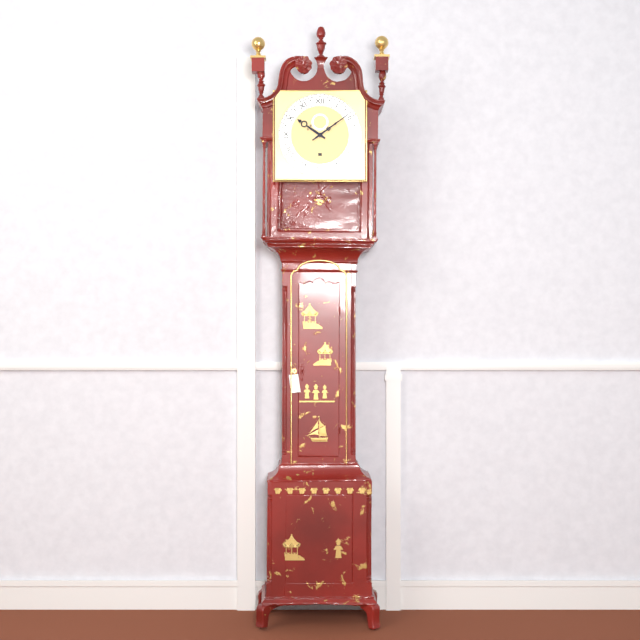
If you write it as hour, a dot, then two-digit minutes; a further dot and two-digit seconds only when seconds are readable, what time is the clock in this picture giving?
10.09
